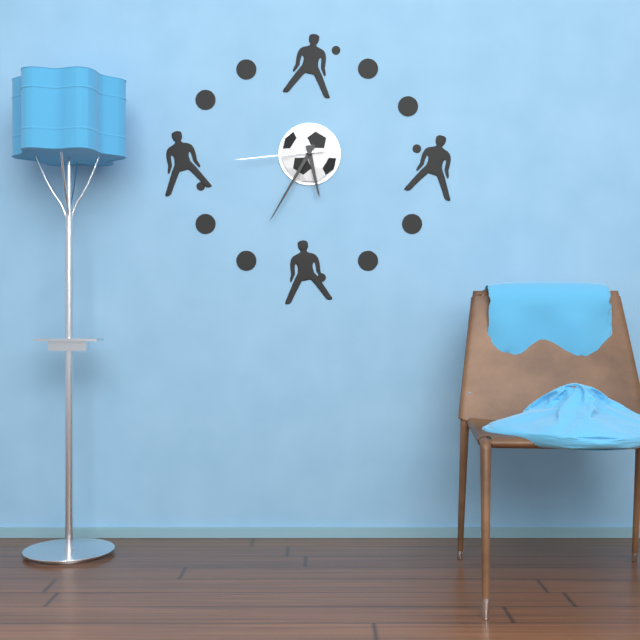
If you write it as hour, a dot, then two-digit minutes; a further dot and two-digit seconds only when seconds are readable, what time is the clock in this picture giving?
5.35.44
